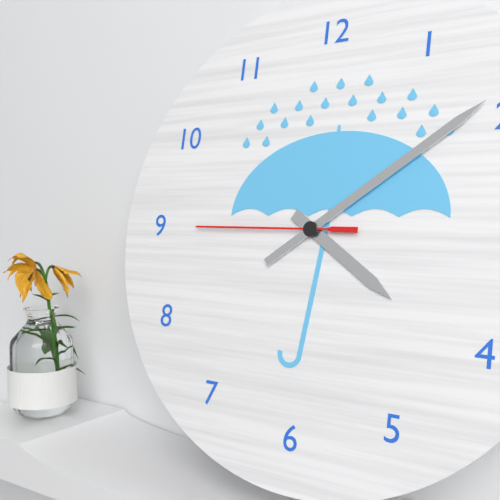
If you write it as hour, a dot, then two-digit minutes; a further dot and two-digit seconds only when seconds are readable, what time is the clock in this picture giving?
4.09.45
